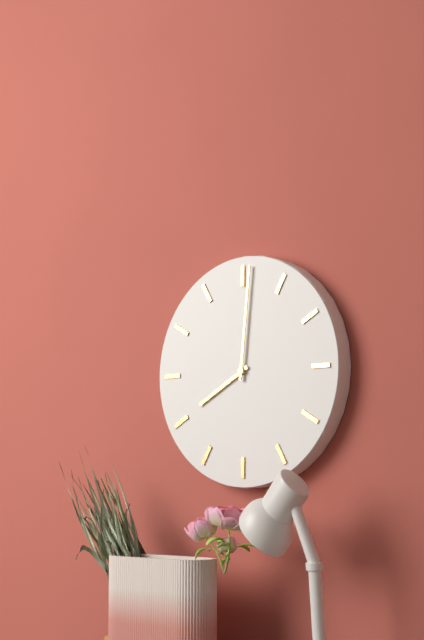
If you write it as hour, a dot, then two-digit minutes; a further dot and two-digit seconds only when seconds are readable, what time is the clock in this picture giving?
8.01
